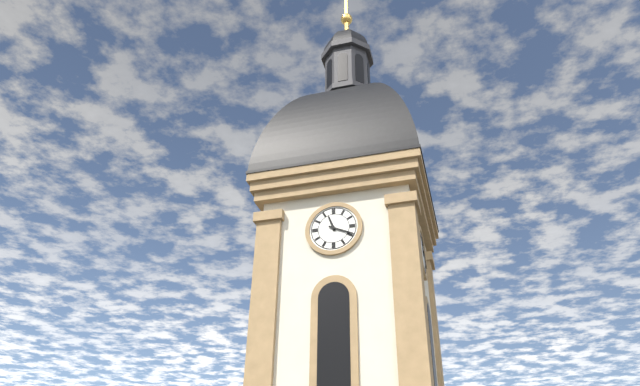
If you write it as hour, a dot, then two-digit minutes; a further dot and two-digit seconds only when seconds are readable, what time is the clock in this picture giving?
11.19
